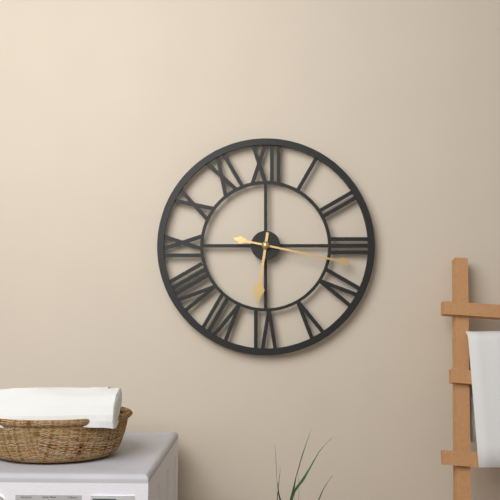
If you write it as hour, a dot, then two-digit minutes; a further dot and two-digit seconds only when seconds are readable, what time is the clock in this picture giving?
6.17
